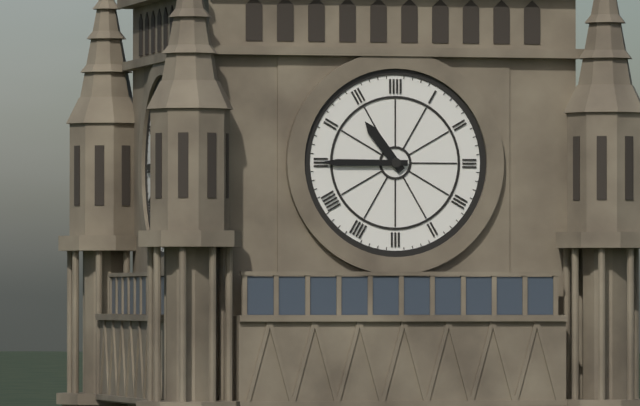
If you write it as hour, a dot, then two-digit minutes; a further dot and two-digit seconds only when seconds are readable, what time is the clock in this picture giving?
10.45
